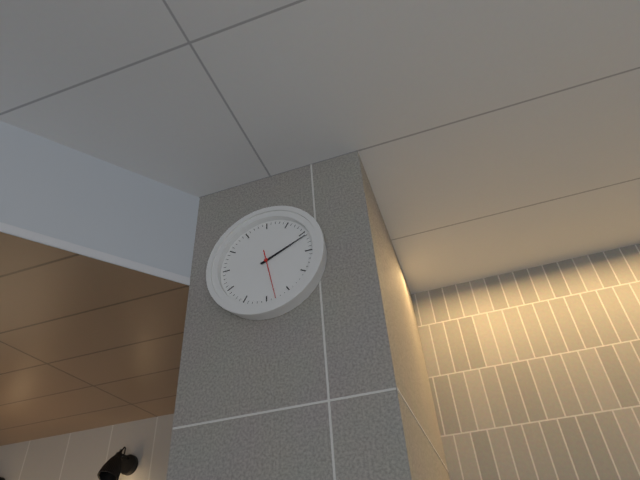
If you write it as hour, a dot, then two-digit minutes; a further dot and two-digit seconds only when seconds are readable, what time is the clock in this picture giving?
2.11
